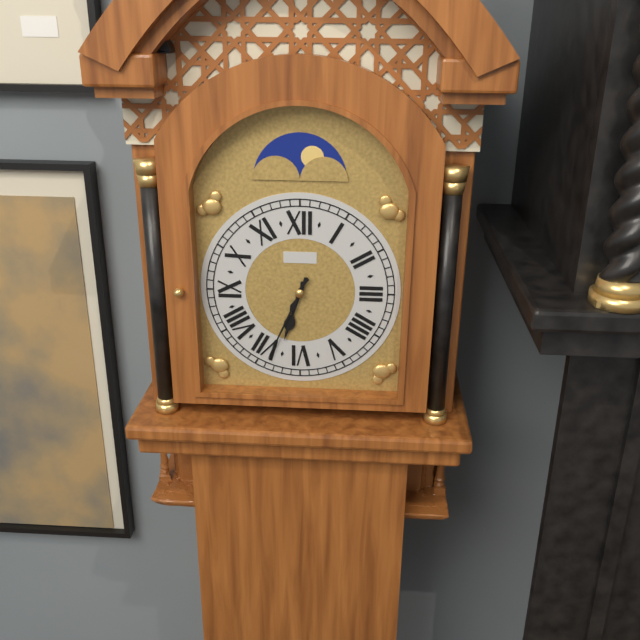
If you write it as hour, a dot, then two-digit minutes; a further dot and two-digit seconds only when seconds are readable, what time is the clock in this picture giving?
6.34
